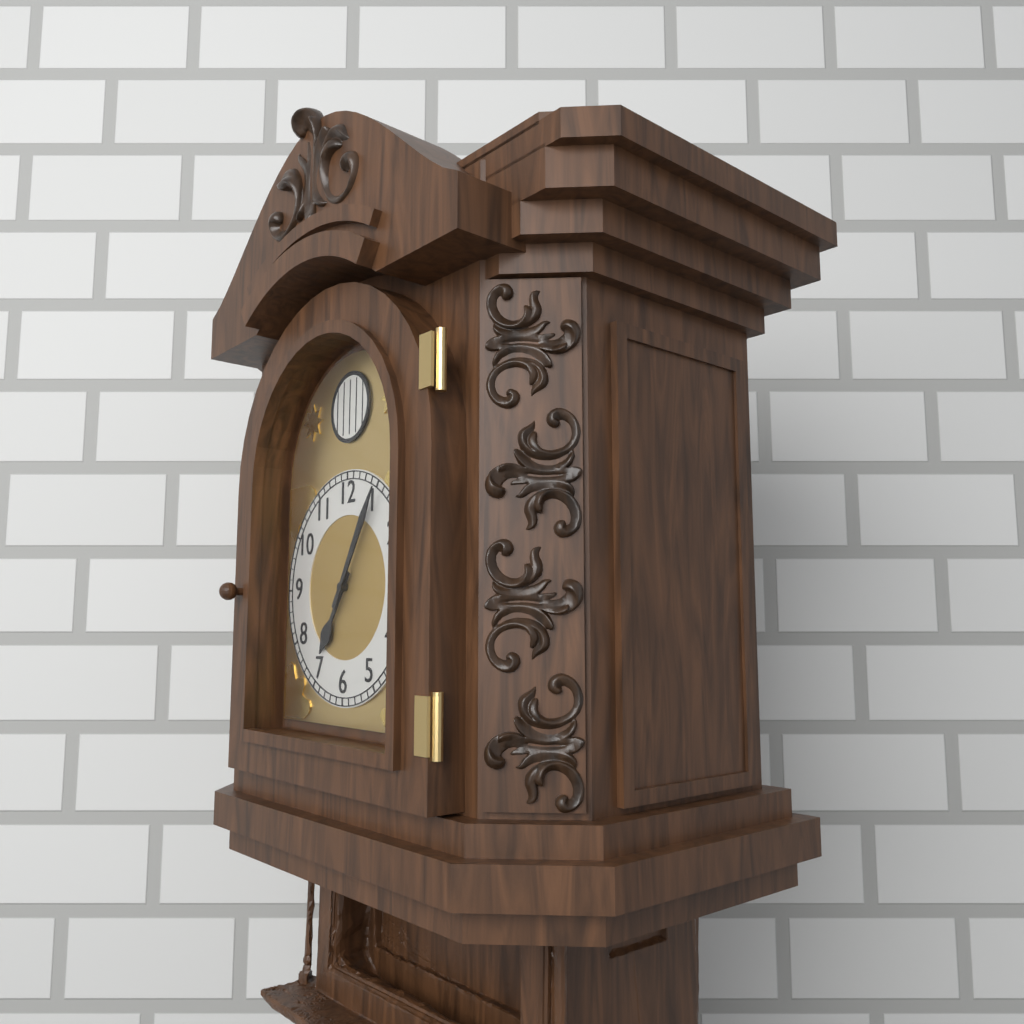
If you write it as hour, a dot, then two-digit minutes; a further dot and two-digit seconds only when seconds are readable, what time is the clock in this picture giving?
7.05
